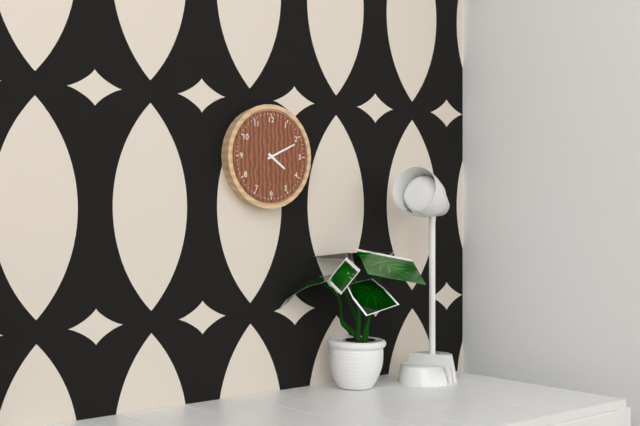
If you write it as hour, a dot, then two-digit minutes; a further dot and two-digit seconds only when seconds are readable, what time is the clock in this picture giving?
4.11
